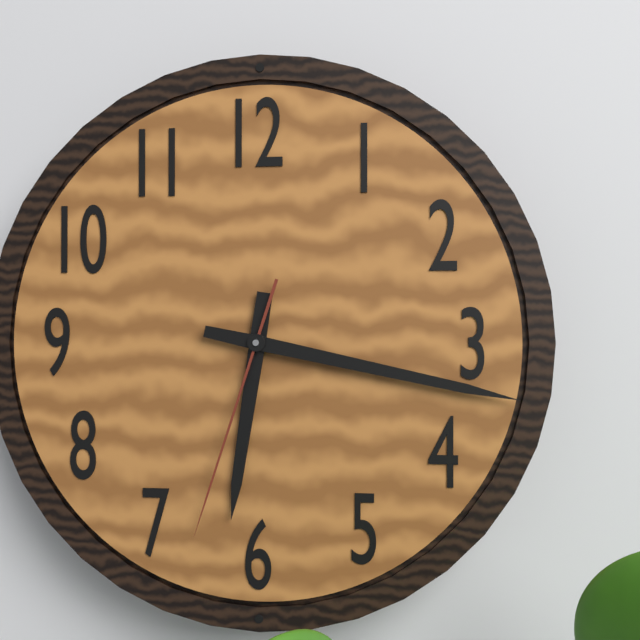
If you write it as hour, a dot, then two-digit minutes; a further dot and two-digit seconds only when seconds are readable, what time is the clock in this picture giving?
6.17.33
